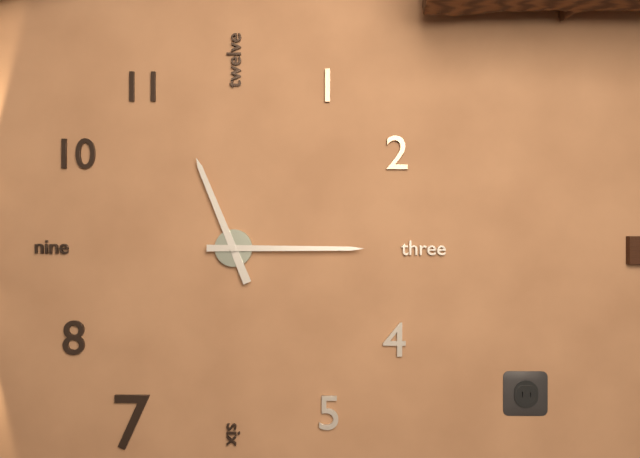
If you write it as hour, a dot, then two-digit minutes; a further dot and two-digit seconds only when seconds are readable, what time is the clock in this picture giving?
11.15
